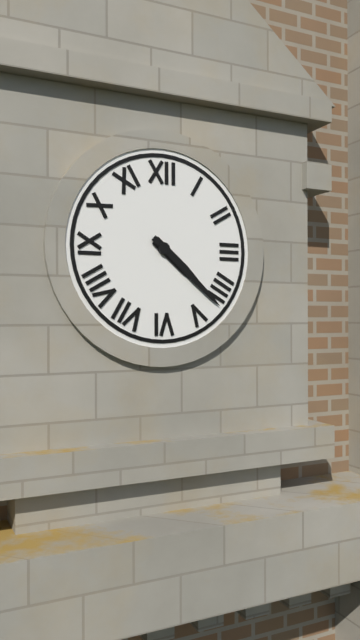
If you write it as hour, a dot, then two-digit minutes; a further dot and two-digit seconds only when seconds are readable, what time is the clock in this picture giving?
4.22
